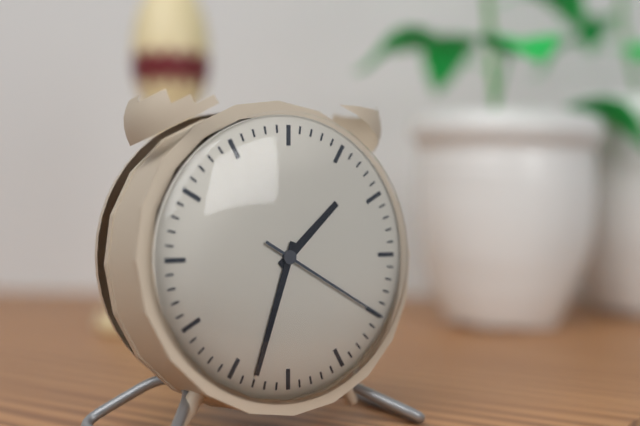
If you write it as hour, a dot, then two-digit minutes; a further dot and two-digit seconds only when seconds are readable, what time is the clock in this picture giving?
1.33.20
